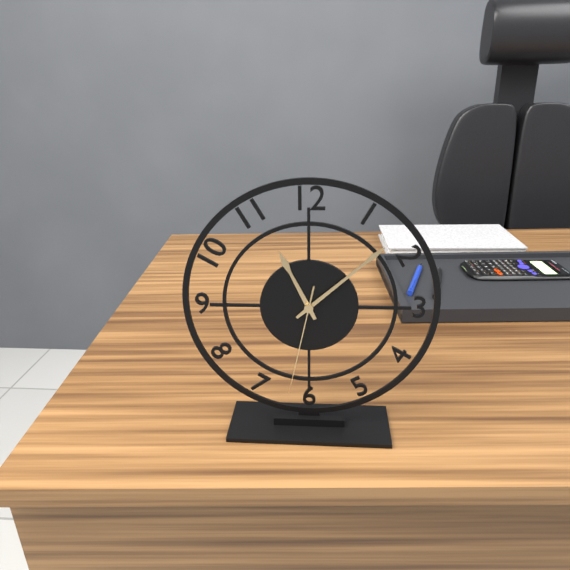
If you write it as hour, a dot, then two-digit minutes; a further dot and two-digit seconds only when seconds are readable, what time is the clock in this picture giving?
11.08.32
